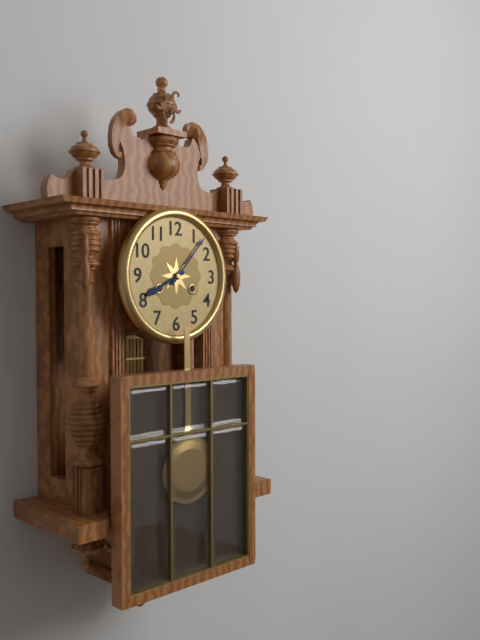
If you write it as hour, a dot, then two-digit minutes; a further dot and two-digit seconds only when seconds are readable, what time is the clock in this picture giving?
8.07
